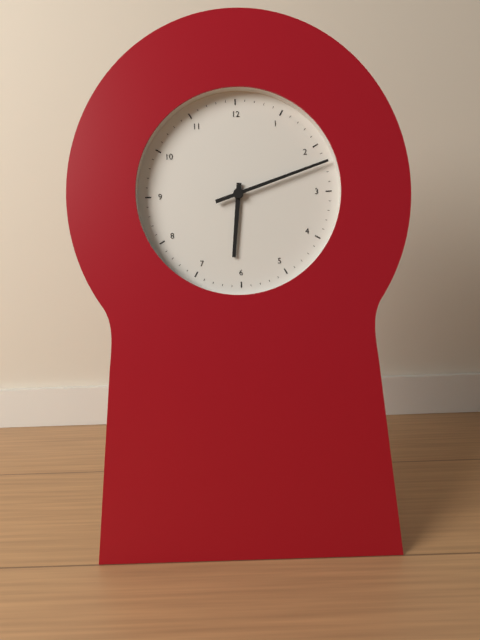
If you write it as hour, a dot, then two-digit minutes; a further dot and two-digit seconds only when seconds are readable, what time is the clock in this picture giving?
6.12
